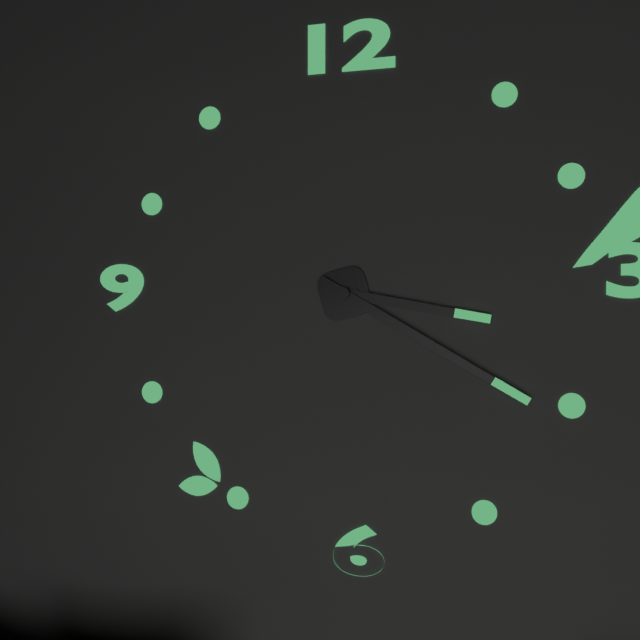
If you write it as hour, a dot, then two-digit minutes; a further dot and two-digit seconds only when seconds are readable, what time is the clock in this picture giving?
3.20
